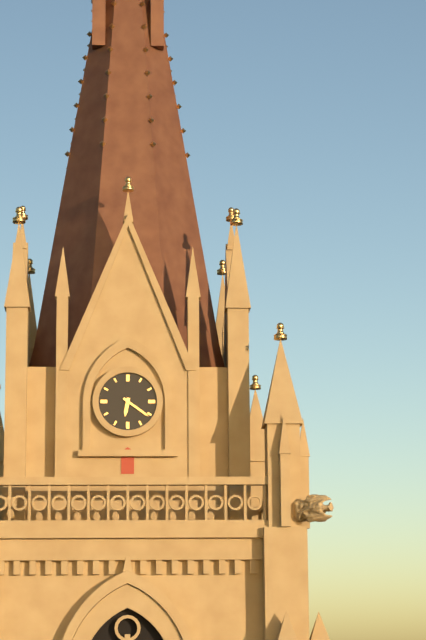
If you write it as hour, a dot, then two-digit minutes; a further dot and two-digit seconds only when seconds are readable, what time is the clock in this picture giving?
6.21
